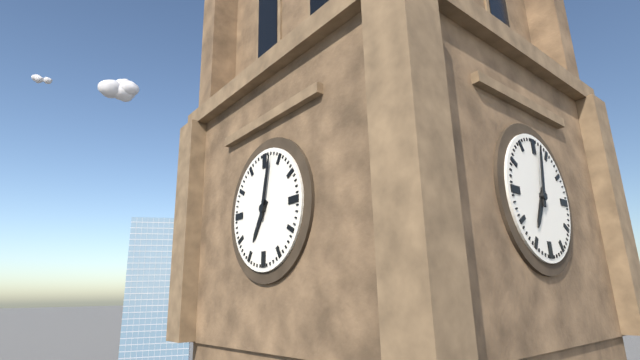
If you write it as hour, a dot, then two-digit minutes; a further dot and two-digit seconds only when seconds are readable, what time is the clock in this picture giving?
7.02
